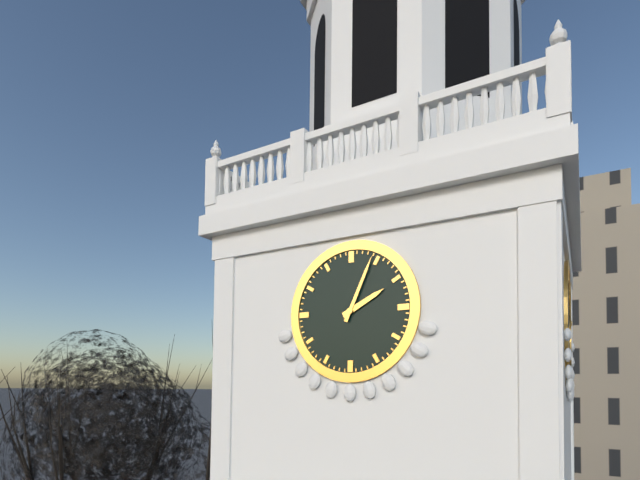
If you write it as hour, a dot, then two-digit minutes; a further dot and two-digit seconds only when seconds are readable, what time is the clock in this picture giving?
2.04
